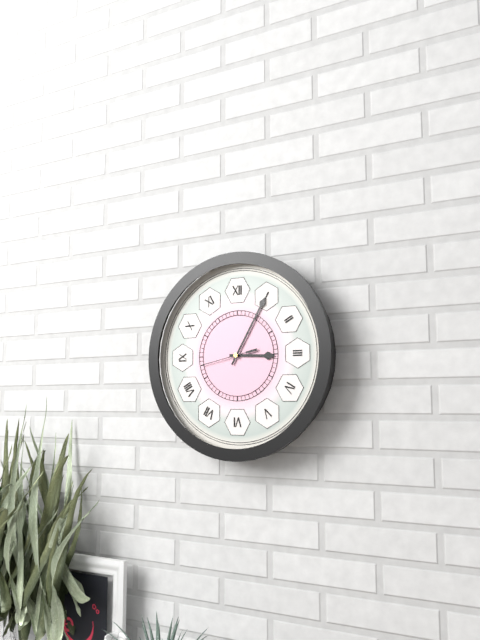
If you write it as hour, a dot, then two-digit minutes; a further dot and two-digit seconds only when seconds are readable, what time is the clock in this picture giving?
3.05
